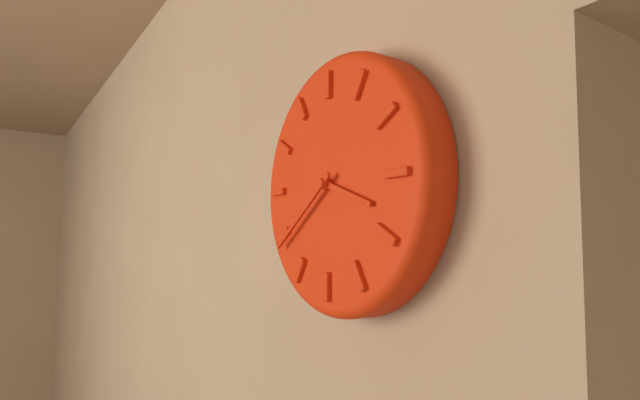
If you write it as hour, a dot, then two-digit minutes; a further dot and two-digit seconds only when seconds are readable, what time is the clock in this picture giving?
3.39
